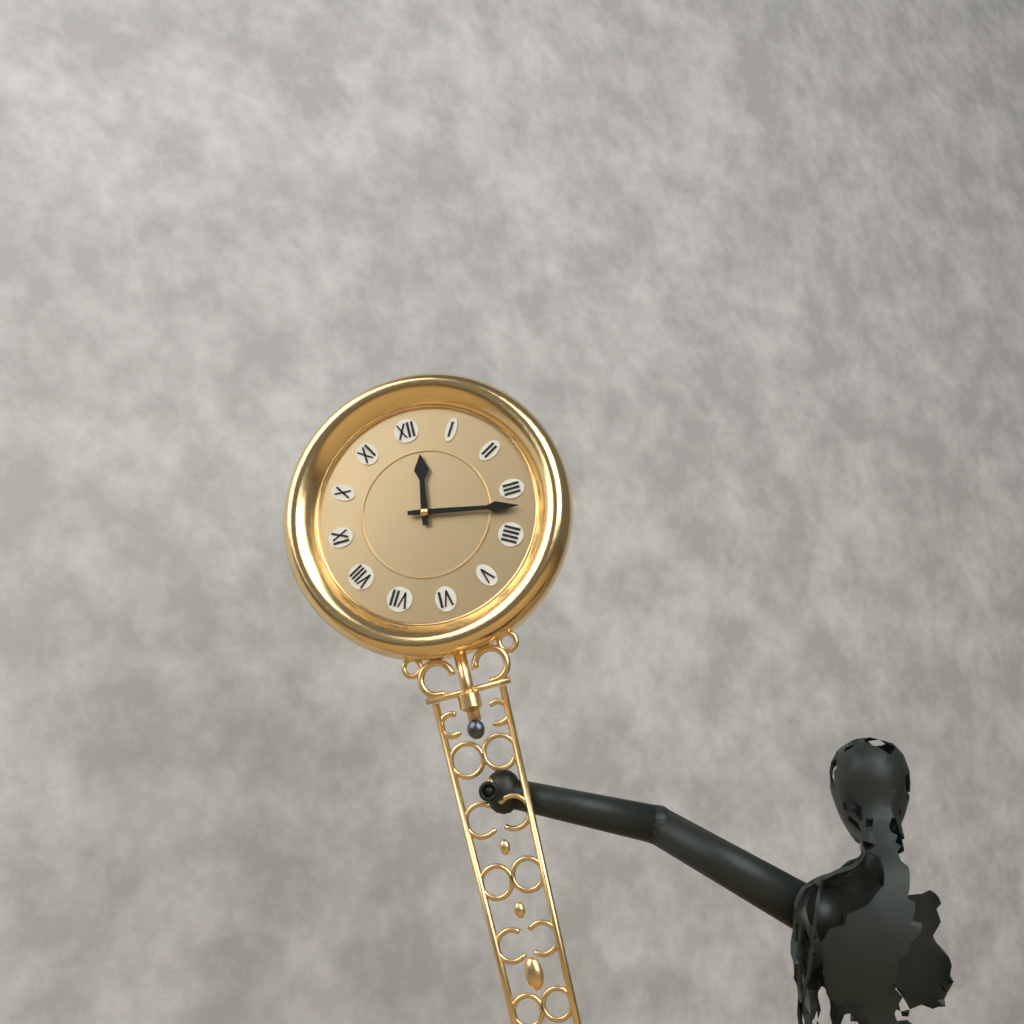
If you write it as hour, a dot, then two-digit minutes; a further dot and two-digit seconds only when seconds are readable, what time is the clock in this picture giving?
12.17
